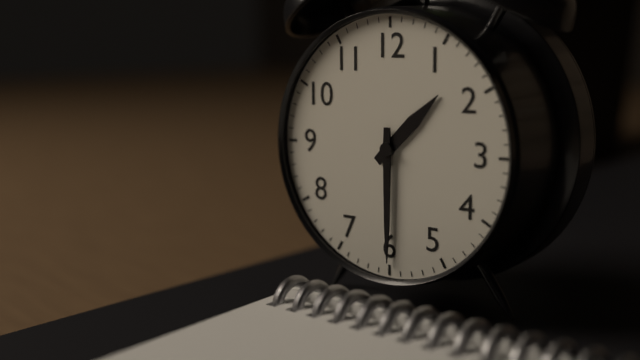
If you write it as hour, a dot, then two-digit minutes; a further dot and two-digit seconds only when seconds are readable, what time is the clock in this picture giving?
1.30
